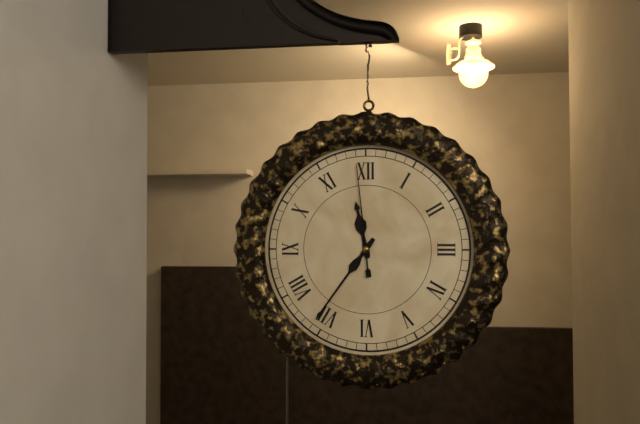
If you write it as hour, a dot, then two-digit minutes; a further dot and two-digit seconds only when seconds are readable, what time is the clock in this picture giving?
11.36.59
